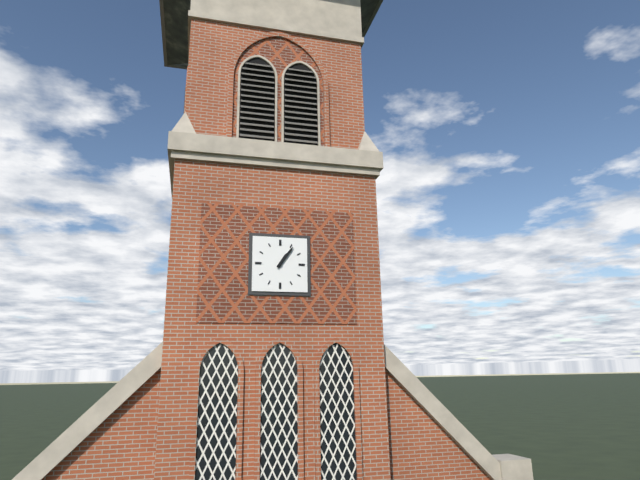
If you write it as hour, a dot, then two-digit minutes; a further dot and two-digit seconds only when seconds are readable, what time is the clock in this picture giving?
1.06
